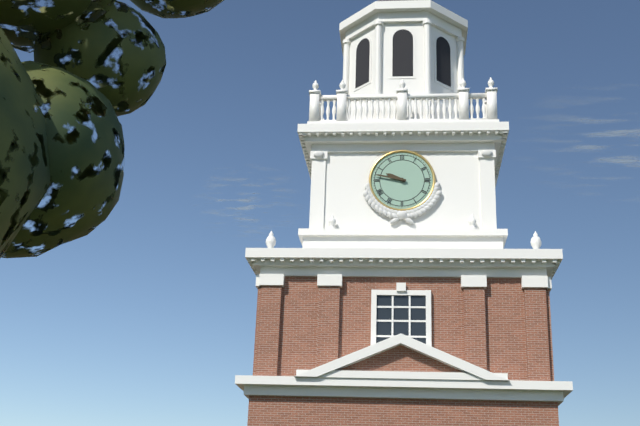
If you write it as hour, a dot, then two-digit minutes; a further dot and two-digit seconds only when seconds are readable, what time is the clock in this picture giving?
9.47
